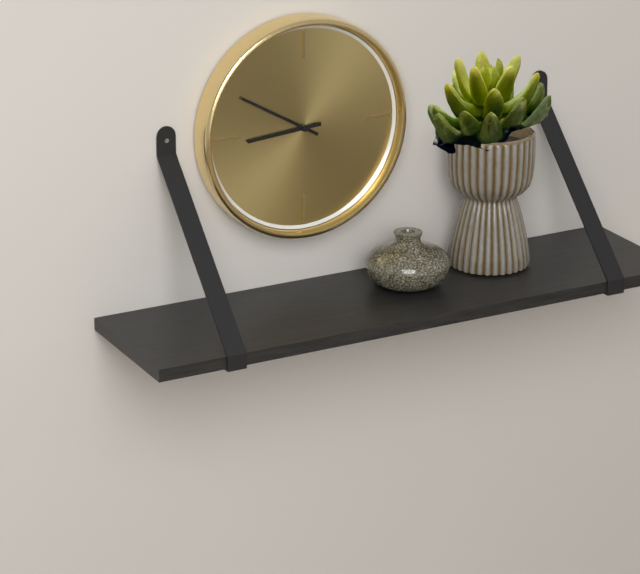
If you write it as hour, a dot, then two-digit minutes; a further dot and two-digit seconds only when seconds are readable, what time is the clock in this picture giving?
8.50
